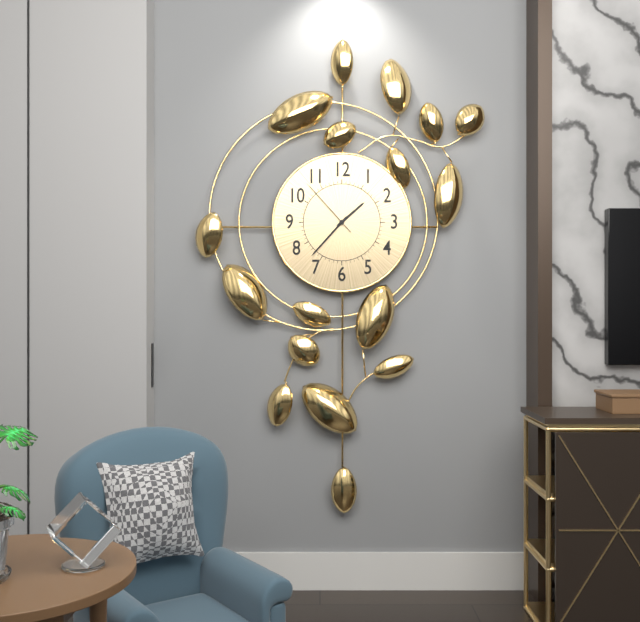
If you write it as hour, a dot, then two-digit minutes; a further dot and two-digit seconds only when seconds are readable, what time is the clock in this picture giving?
1.37.53
